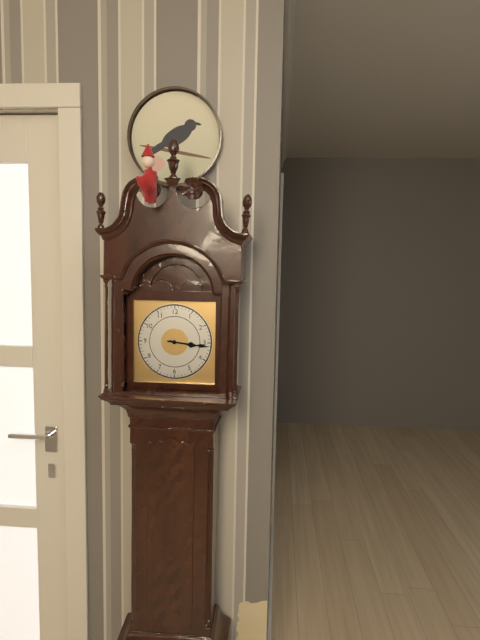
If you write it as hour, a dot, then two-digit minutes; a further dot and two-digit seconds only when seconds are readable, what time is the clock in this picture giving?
3.16
